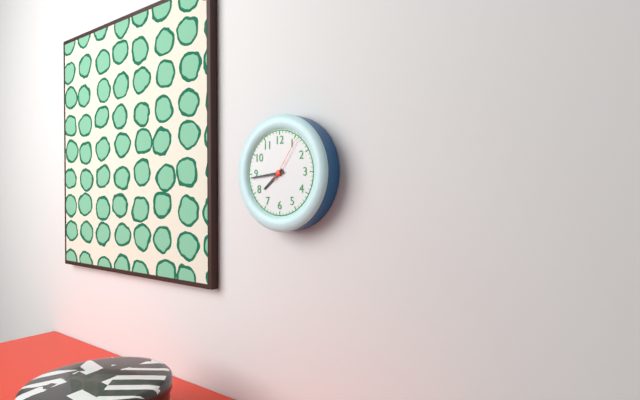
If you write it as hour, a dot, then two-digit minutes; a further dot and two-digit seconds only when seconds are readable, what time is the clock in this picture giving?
7.44
